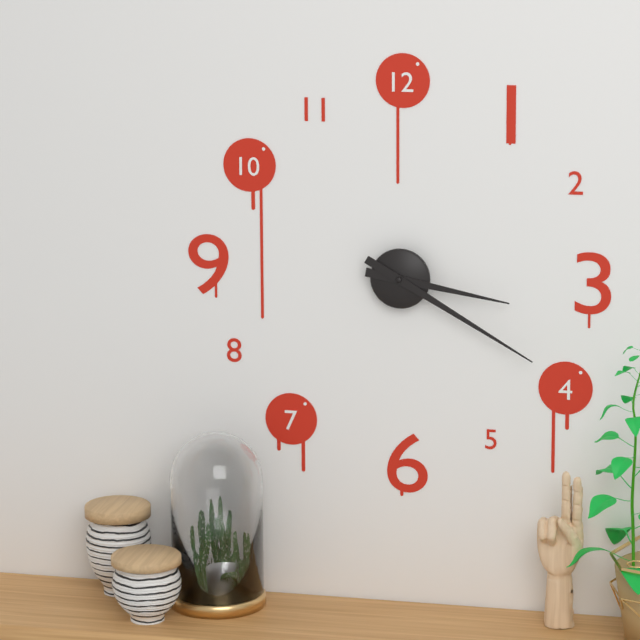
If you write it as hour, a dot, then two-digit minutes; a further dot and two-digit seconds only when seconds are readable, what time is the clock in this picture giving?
3.20
